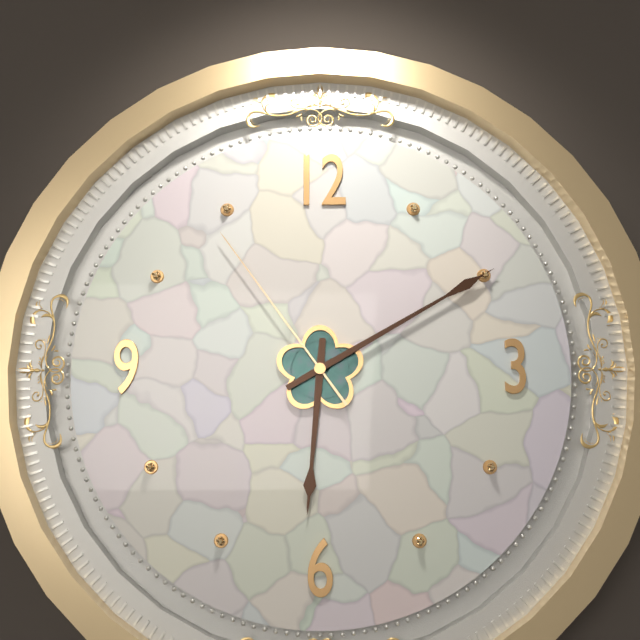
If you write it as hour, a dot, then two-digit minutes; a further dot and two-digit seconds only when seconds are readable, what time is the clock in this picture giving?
6.10.54
